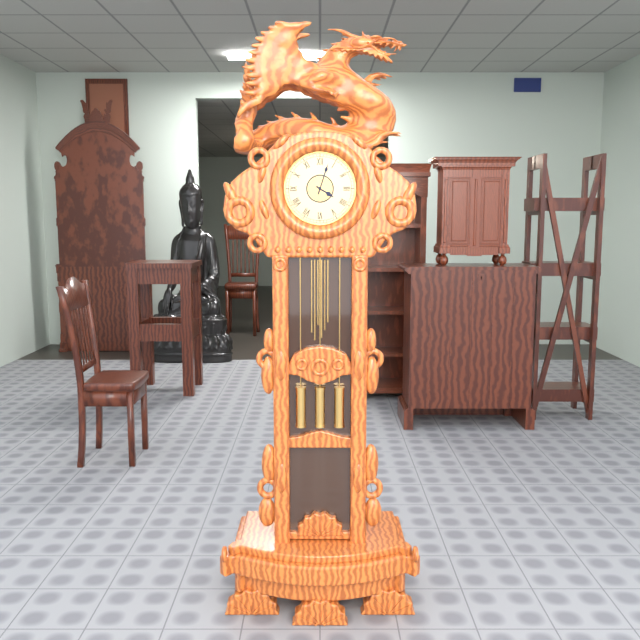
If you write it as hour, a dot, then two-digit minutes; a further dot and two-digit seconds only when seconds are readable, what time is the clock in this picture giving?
4.03
